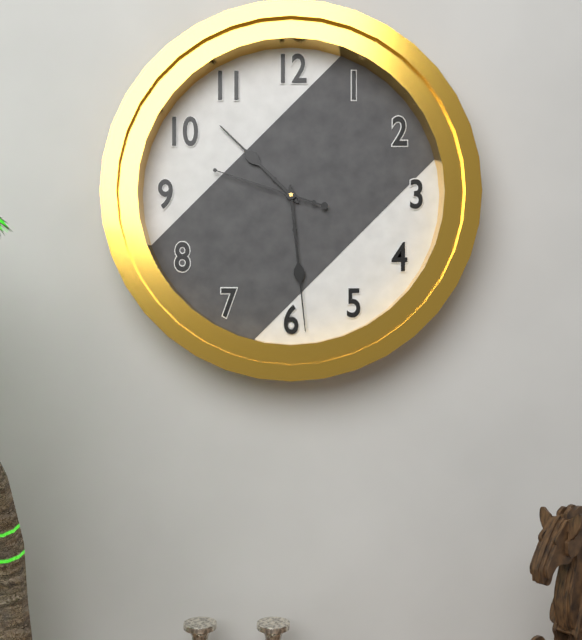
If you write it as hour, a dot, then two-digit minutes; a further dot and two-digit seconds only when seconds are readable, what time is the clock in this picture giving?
10.29.48
